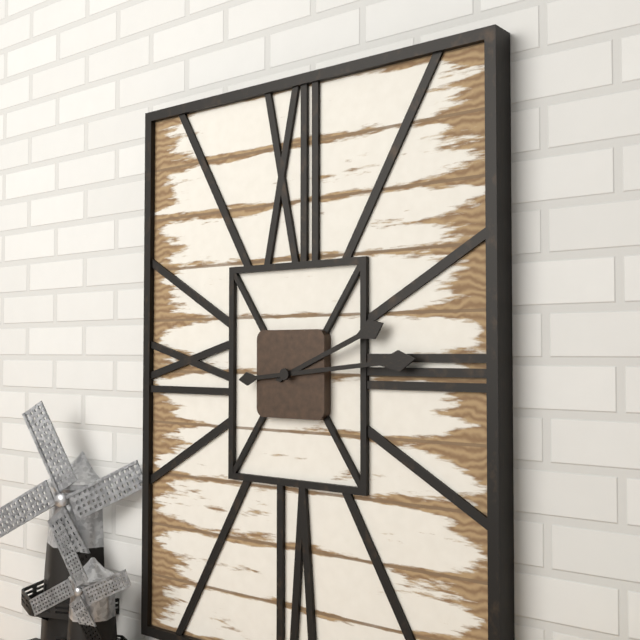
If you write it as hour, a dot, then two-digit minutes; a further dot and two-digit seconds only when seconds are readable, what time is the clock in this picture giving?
2.14
